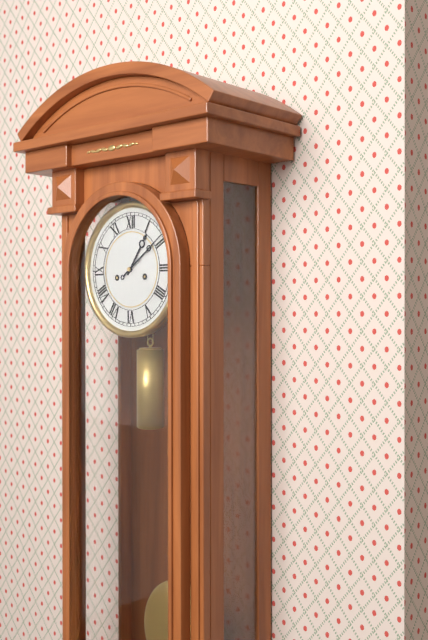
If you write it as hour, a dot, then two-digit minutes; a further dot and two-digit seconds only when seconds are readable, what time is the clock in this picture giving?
1.09
